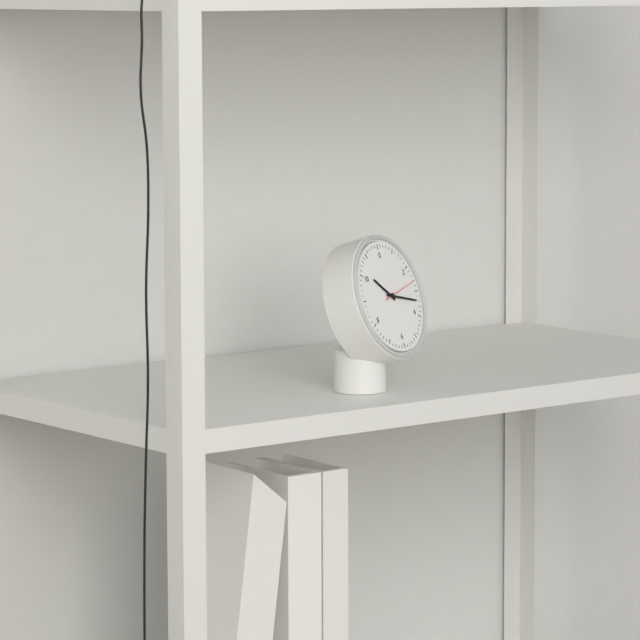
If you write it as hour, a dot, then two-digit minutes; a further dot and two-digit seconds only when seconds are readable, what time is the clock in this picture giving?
10.17
